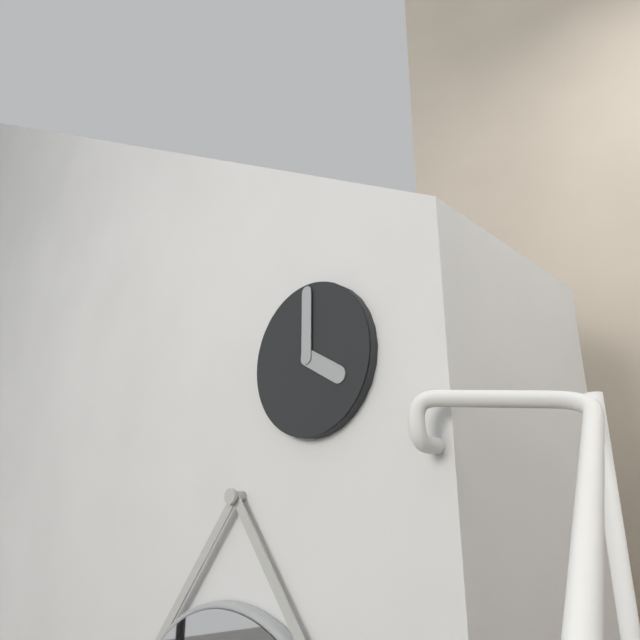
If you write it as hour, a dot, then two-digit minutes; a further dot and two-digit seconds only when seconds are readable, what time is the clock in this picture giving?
4.00
